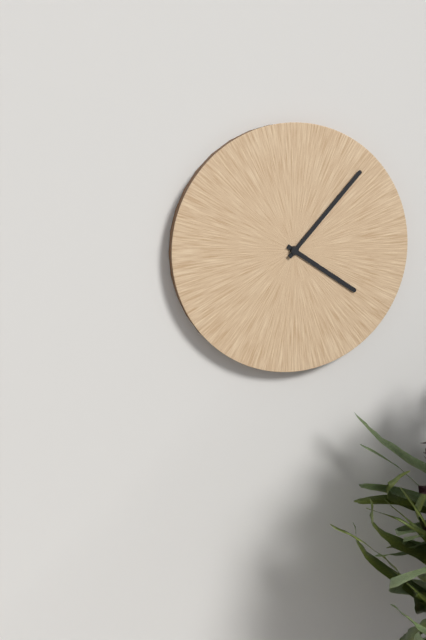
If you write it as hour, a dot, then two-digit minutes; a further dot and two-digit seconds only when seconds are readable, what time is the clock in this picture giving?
4.07
